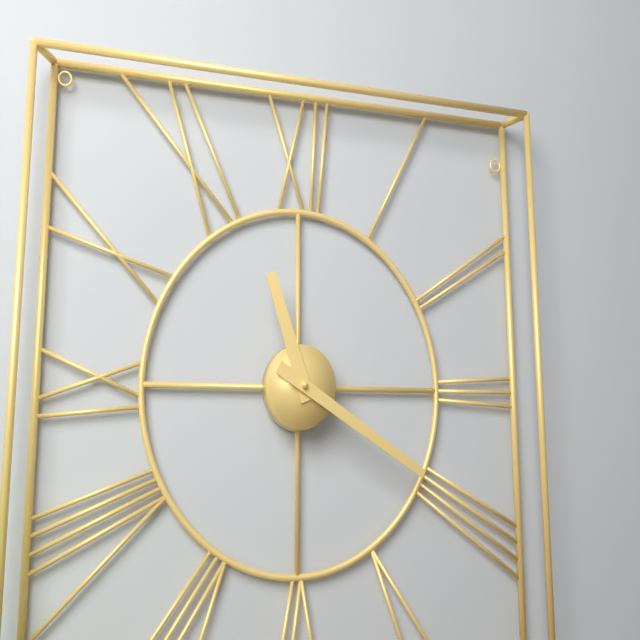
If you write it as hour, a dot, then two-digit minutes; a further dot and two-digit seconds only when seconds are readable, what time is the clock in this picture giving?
11.20
